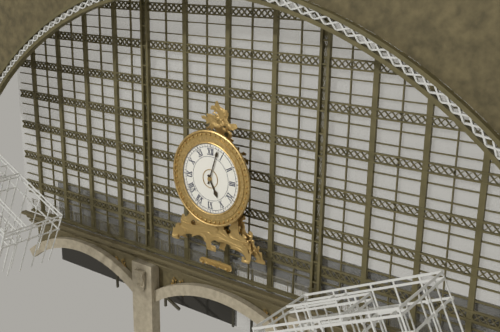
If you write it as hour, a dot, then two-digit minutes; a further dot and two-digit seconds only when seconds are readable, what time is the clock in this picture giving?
5.03
